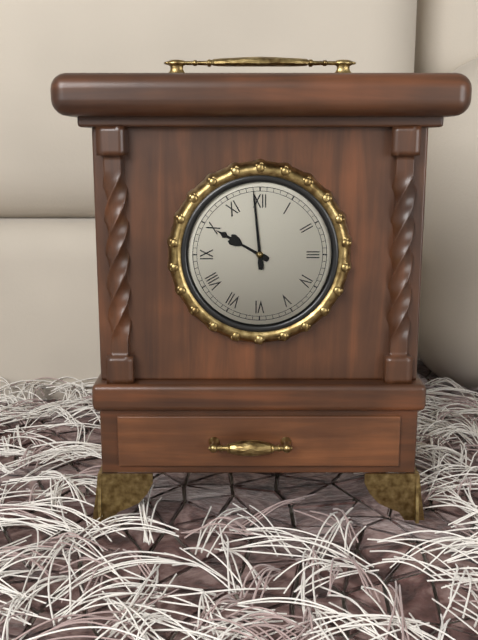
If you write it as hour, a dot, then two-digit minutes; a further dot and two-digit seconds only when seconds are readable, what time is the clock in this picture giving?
9.59
